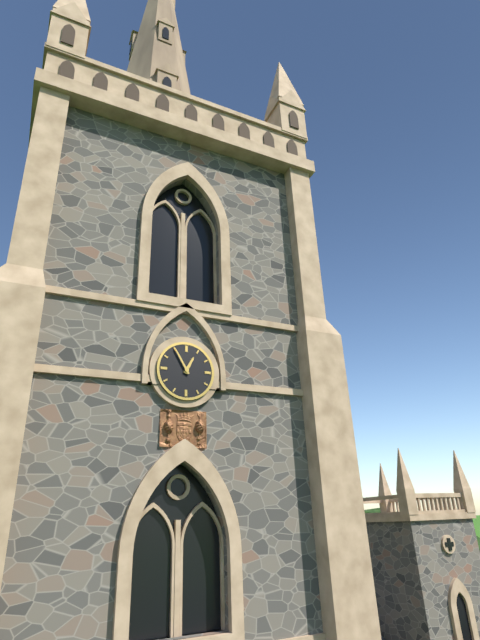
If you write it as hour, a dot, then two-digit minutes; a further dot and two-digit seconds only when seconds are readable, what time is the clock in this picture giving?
12.55
